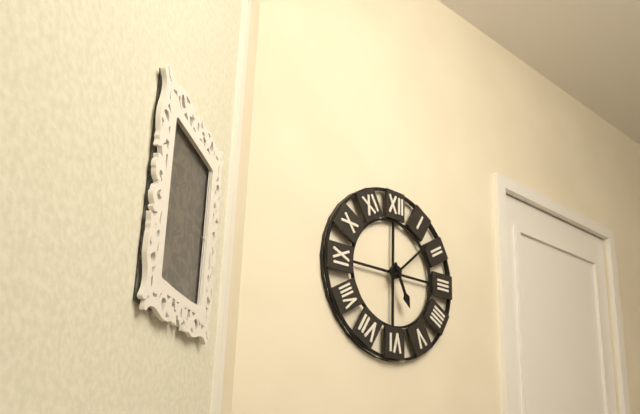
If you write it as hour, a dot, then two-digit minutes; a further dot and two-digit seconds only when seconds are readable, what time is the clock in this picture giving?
5.08
